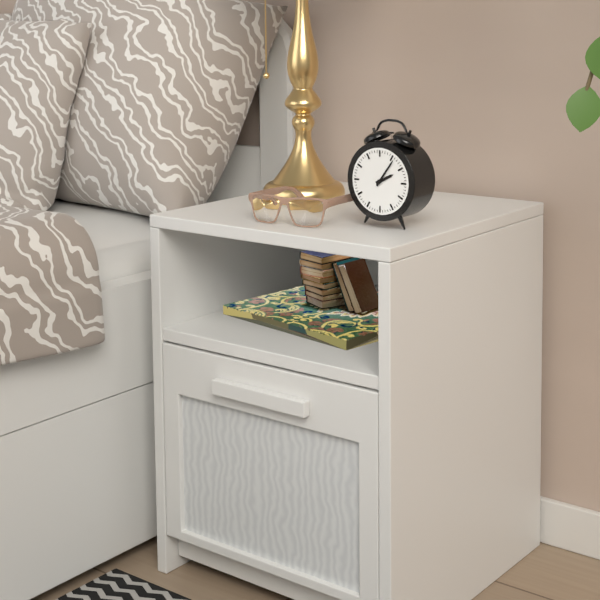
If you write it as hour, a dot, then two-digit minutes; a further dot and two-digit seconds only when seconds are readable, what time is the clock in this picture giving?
2.06
